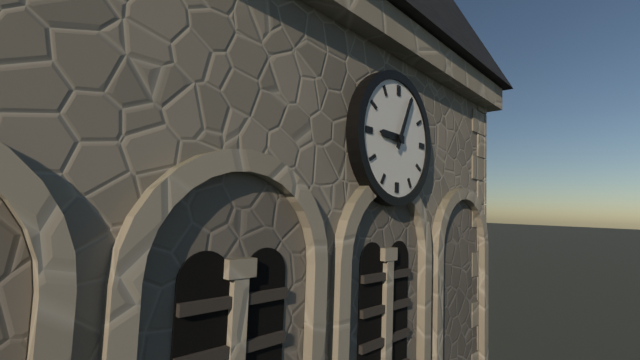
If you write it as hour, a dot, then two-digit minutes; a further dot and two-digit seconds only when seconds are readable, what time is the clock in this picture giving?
9.04
